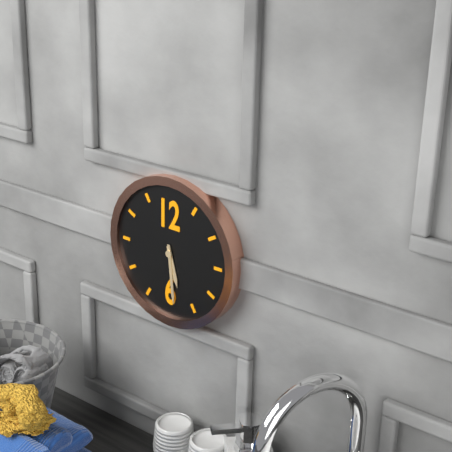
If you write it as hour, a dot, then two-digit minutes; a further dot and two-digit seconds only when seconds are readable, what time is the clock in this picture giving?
5.29
